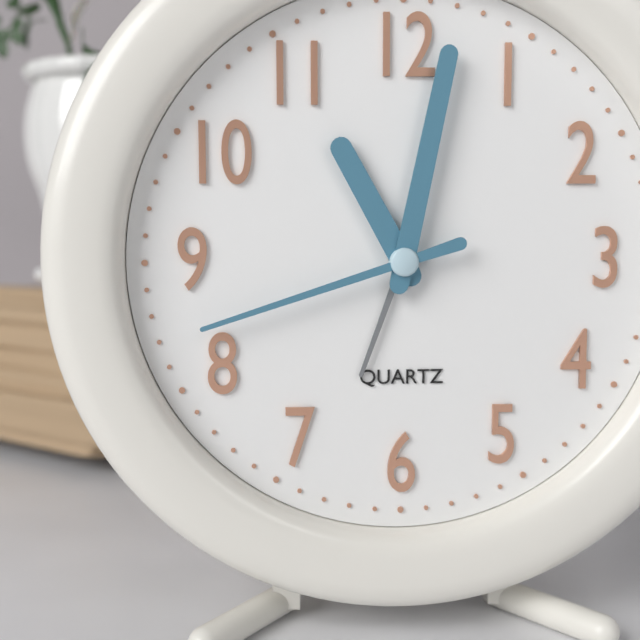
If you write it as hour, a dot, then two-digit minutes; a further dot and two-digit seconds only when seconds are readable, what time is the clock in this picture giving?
11.02.42
